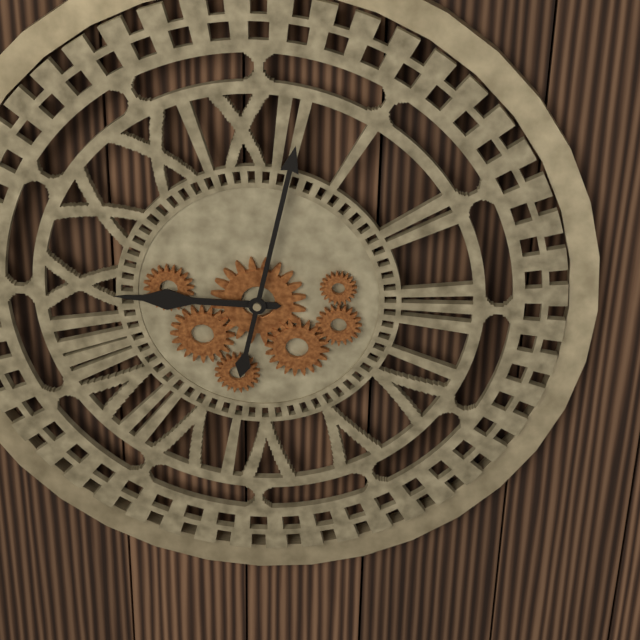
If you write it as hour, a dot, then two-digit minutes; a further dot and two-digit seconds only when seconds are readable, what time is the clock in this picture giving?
9.02
